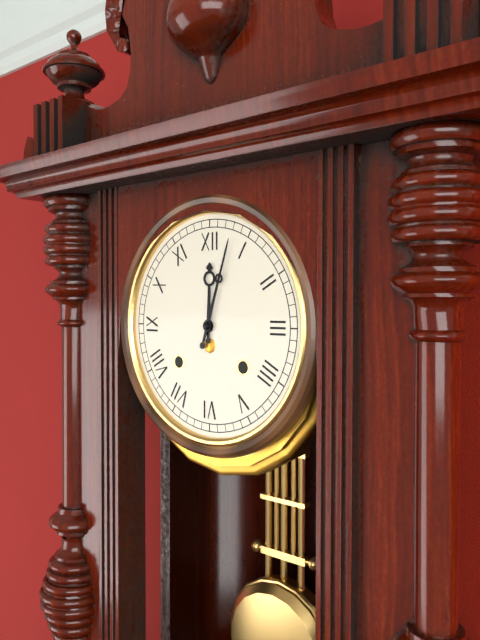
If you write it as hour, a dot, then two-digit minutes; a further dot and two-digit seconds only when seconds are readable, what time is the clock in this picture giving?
12.03
